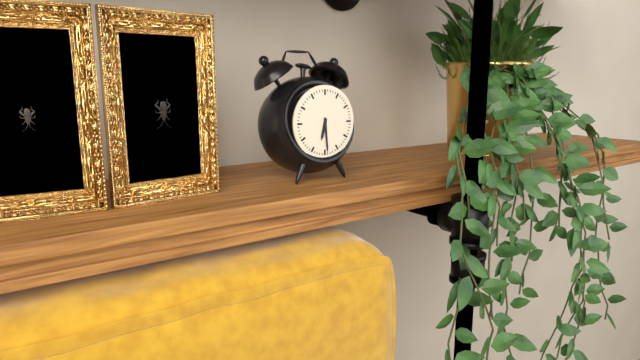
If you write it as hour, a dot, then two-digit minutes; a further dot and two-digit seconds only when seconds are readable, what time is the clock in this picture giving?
6.29
